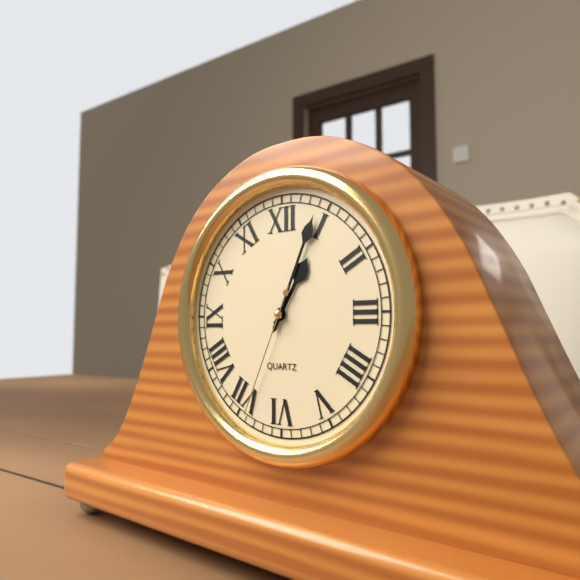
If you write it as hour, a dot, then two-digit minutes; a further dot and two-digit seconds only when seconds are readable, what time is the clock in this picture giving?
1.04.34
